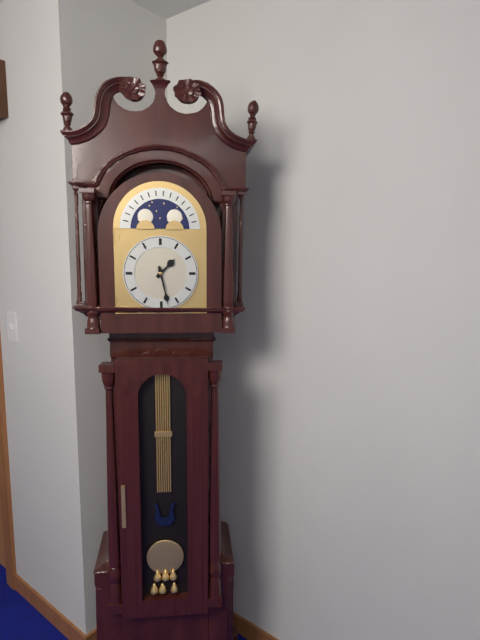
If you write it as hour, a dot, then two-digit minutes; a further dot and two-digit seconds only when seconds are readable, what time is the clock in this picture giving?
1.28
